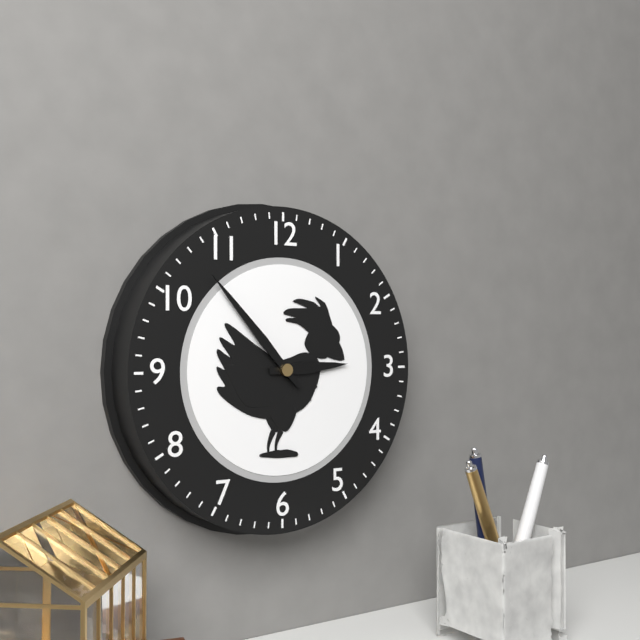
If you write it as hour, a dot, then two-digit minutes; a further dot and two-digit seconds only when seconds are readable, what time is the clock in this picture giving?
2.53
